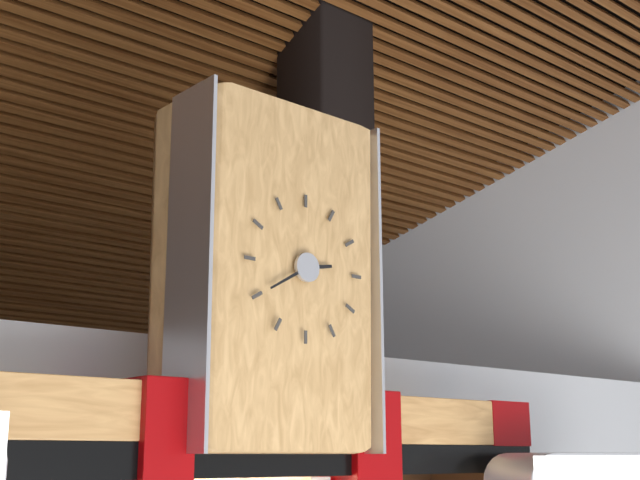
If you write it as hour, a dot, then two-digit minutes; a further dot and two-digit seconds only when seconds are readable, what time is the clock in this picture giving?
2.40
